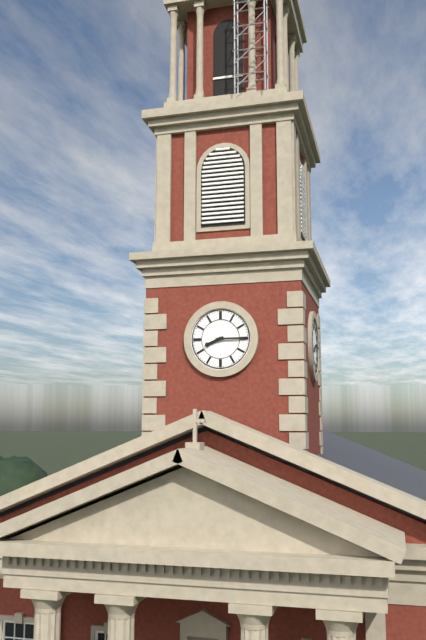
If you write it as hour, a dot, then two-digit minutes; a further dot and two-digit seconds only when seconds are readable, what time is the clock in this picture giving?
8.15
